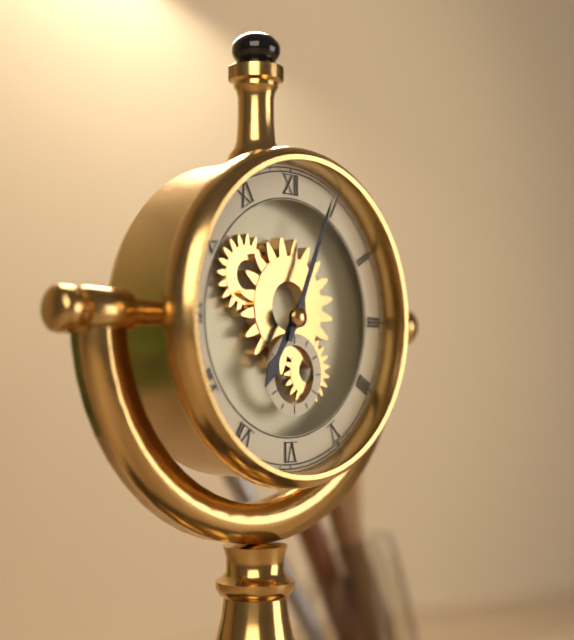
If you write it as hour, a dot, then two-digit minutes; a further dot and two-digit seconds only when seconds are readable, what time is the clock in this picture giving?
7.04
